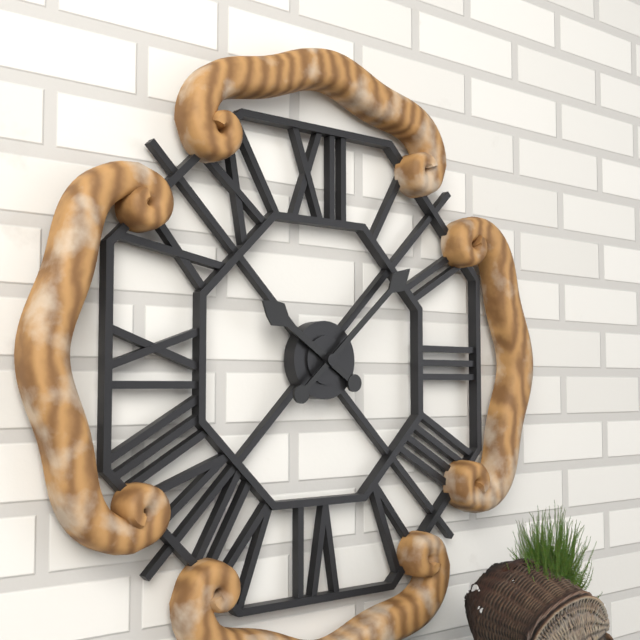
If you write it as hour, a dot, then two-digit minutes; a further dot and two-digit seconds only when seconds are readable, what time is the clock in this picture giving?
10.08
